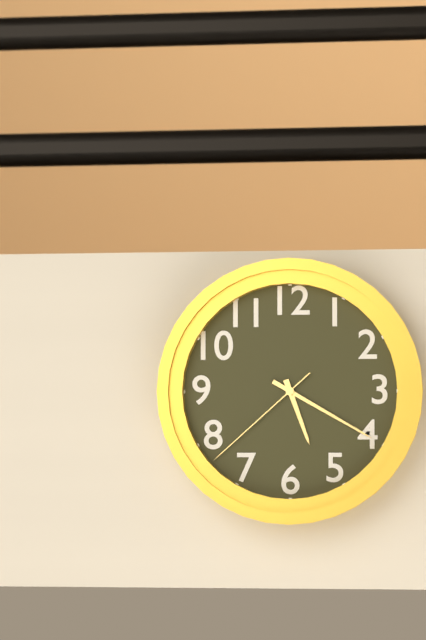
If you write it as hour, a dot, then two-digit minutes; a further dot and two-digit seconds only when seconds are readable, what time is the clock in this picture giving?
5.20.38
